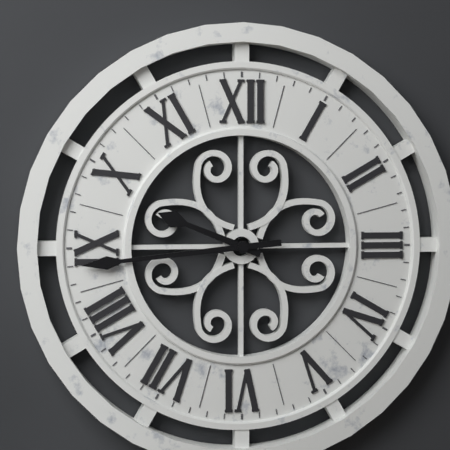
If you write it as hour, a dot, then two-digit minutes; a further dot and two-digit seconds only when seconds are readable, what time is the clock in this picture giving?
9.44
